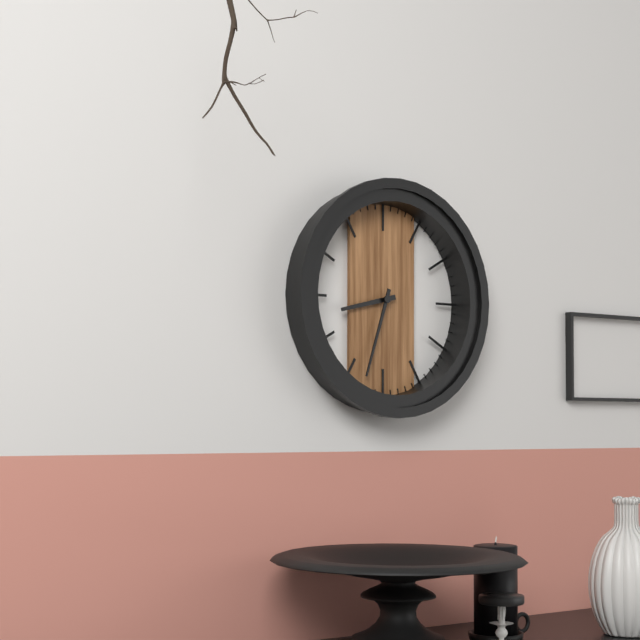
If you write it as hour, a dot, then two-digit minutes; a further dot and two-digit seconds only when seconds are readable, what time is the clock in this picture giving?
8.33
